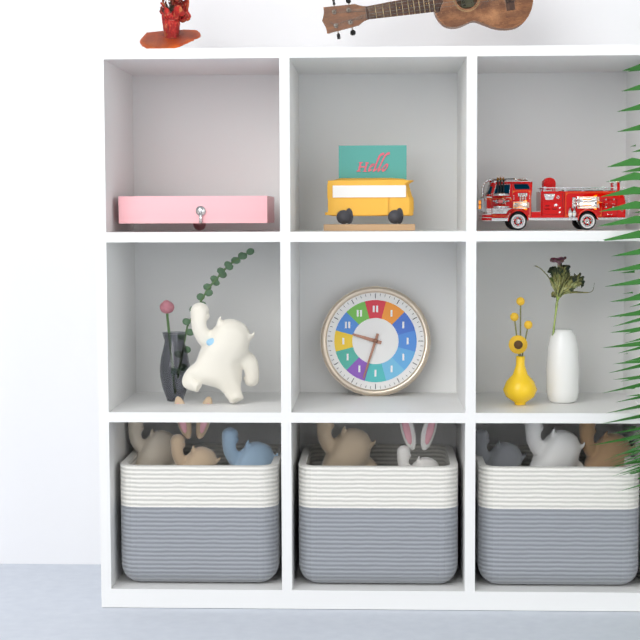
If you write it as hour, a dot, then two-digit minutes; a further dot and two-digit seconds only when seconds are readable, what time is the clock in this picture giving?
9.33
